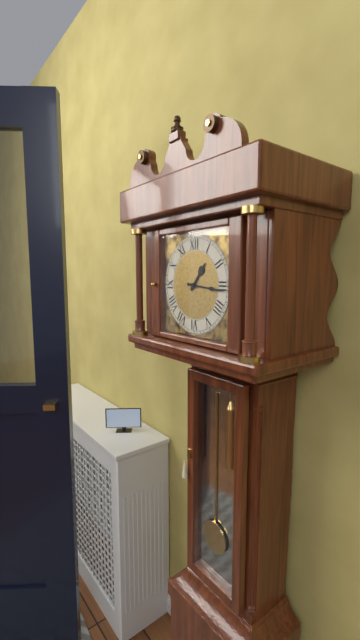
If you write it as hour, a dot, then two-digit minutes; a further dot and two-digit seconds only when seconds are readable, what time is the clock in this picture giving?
1.16
